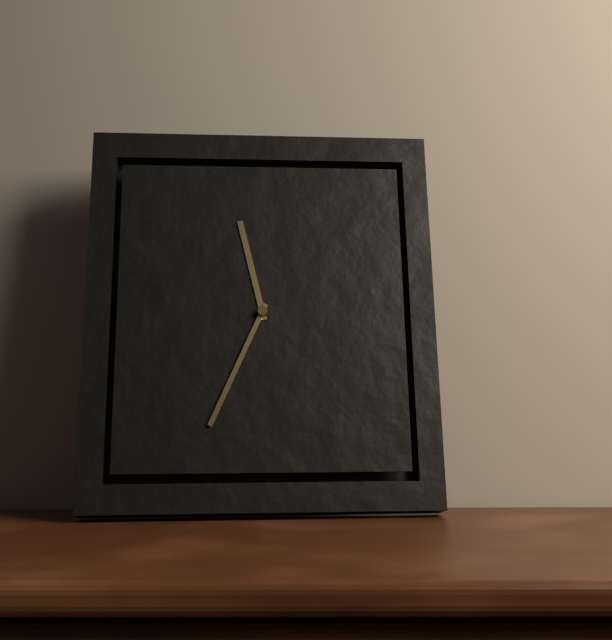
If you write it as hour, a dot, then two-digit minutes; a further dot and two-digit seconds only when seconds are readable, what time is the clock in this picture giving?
11.34
